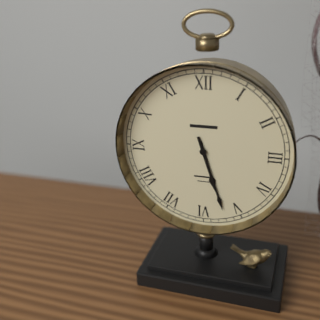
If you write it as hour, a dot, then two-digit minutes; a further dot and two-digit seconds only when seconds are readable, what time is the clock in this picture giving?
5.27
